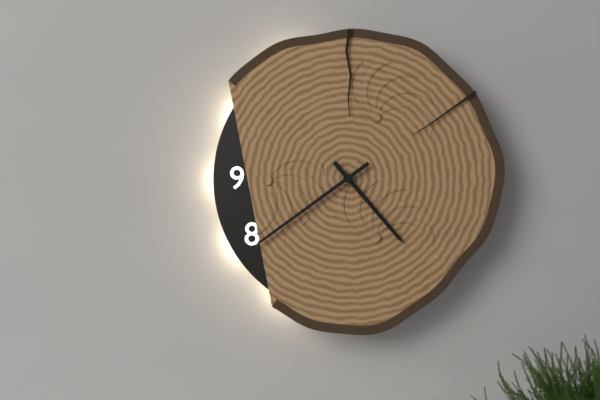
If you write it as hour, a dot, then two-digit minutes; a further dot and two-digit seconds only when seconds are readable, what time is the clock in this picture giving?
4.39
